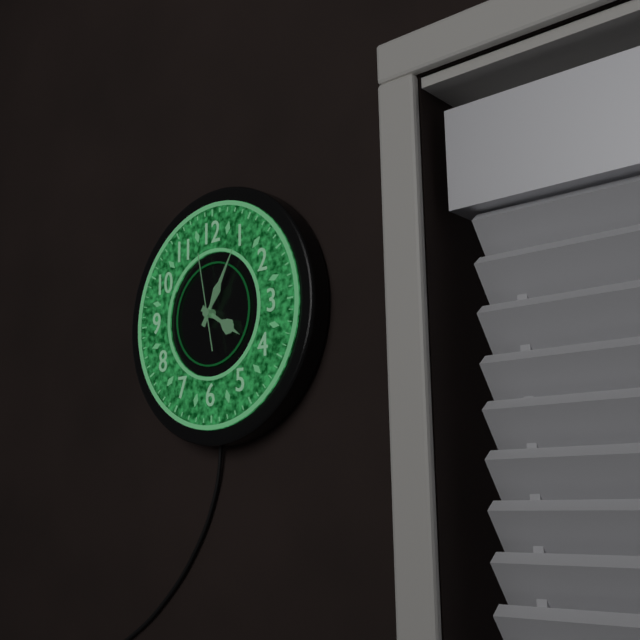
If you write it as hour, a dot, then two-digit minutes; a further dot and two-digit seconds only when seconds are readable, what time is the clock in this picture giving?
4.05.58
